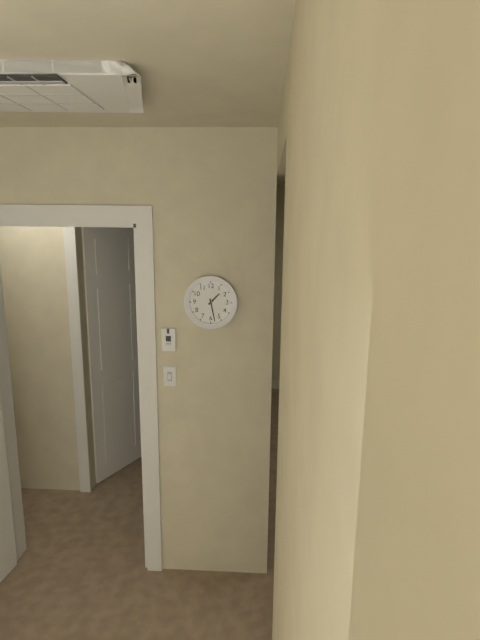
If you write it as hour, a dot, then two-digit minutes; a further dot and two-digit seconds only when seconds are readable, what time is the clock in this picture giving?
1.28
